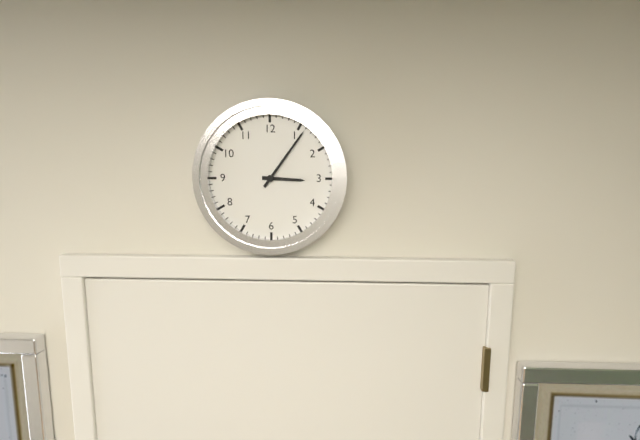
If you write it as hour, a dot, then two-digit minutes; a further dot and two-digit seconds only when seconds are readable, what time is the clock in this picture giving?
3.06
